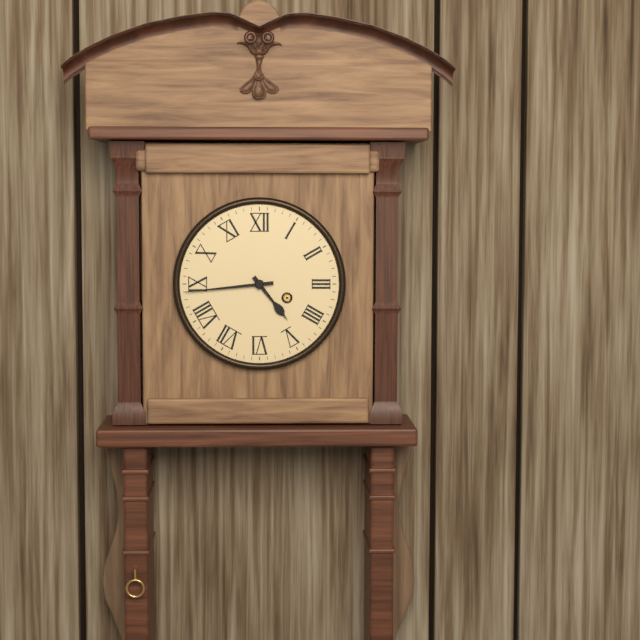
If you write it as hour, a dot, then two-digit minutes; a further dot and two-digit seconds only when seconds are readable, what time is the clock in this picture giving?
4.44
